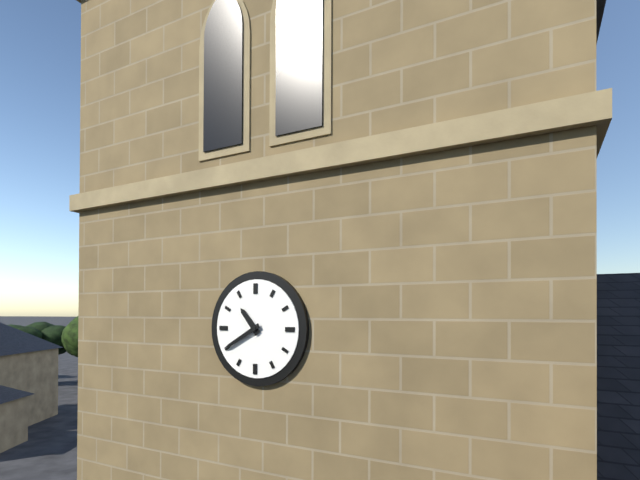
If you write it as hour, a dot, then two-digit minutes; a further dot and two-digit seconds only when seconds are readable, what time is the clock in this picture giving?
10.40
